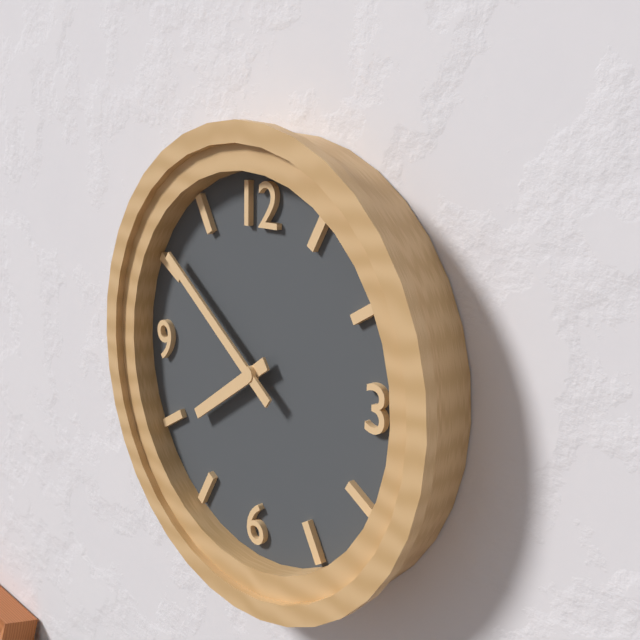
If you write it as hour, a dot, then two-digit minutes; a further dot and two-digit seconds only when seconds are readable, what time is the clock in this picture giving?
7.51
